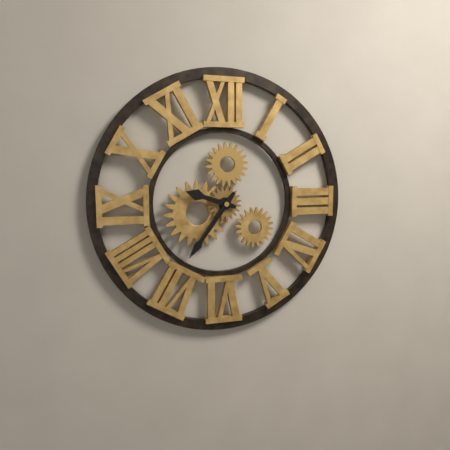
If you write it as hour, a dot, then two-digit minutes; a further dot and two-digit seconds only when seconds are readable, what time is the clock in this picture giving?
9.36
